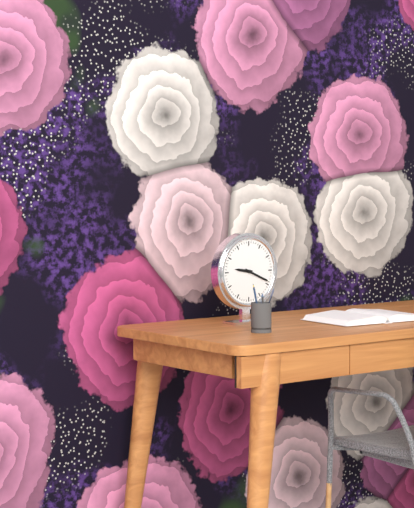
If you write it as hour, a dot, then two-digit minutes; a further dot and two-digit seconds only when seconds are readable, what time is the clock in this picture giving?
9.19
